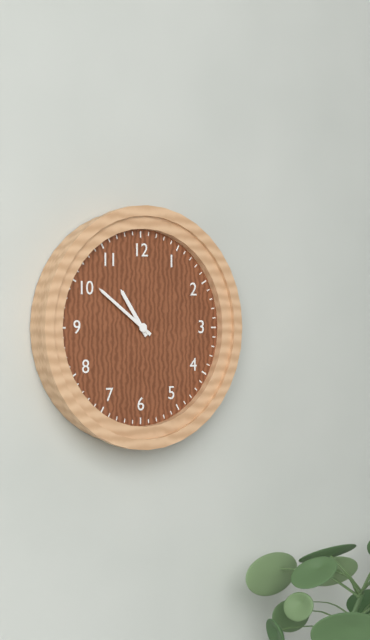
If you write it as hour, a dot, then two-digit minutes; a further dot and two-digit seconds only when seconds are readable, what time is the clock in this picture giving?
10.51
